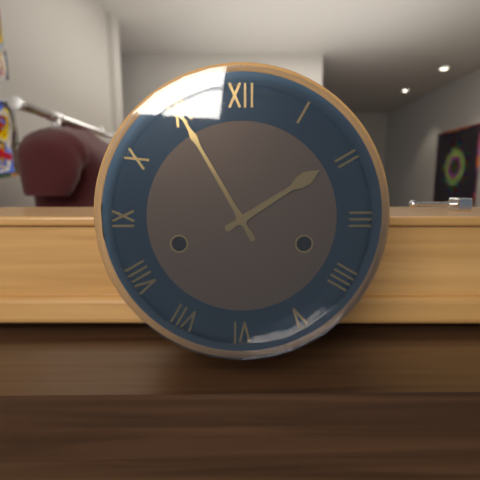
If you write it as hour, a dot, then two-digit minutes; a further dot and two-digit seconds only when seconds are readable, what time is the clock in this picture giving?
1.55
